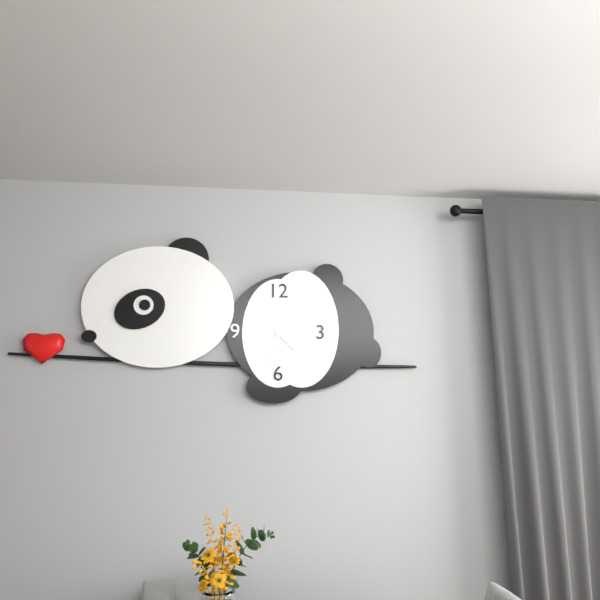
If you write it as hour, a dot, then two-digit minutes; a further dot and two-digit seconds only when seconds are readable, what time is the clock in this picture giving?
4.32
